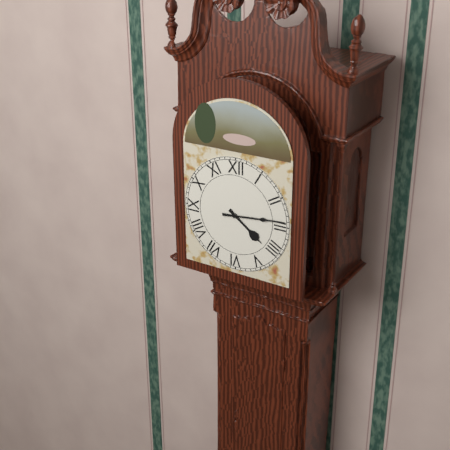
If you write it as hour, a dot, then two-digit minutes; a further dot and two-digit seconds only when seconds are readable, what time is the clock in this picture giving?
4.14
